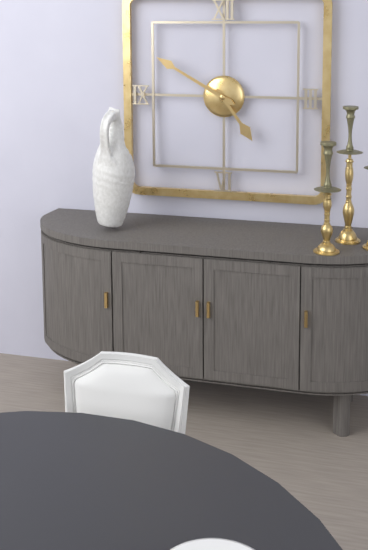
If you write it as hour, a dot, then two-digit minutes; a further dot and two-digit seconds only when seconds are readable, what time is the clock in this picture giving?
4.50
